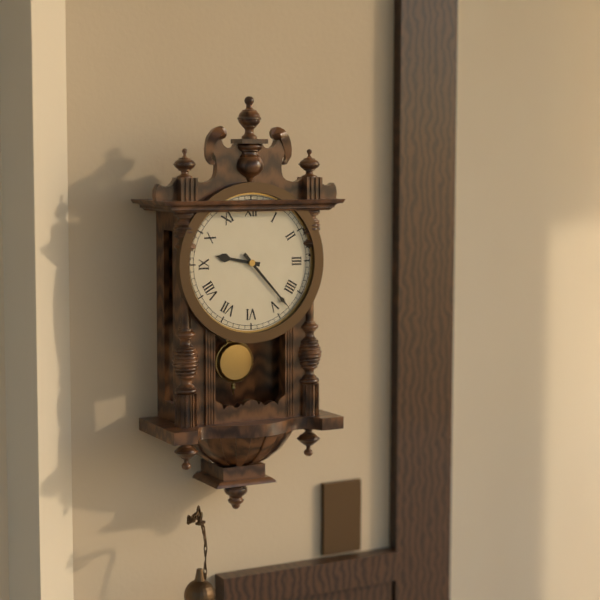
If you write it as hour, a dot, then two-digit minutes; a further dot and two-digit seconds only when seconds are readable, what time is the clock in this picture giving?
9.23
